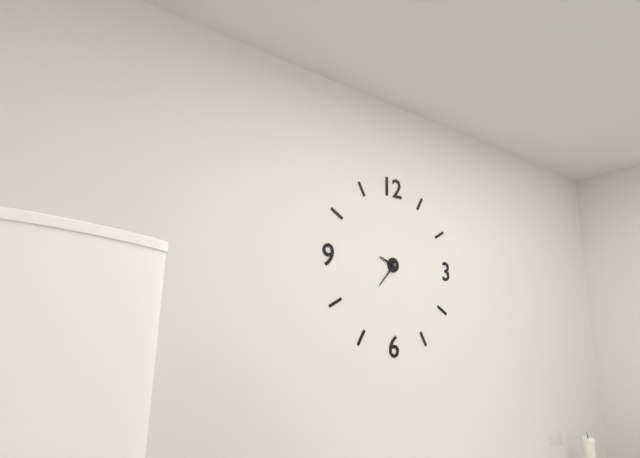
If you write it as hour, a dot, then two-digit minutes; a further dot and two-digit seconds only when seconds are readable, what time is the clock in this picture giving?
9.37
